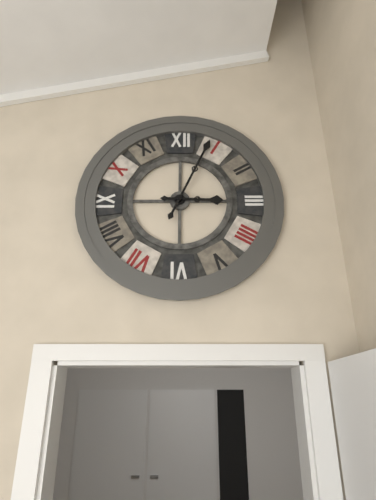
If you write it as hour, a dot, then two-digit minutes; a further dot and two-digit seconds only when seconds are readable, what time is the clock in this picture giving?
3.04
